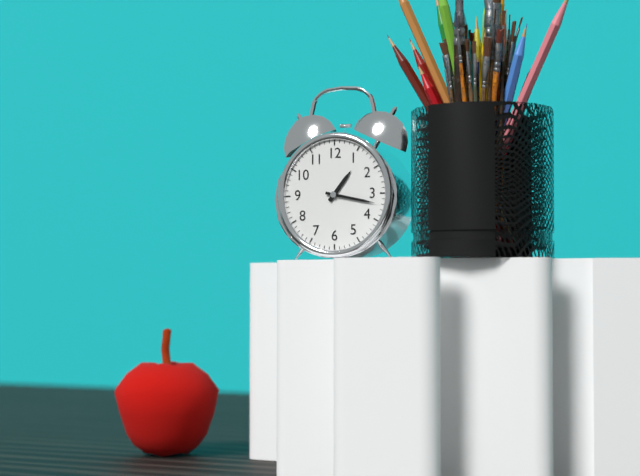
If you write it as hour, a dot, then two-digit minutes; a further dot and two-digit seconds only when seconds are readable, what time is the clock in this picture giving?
1.17
